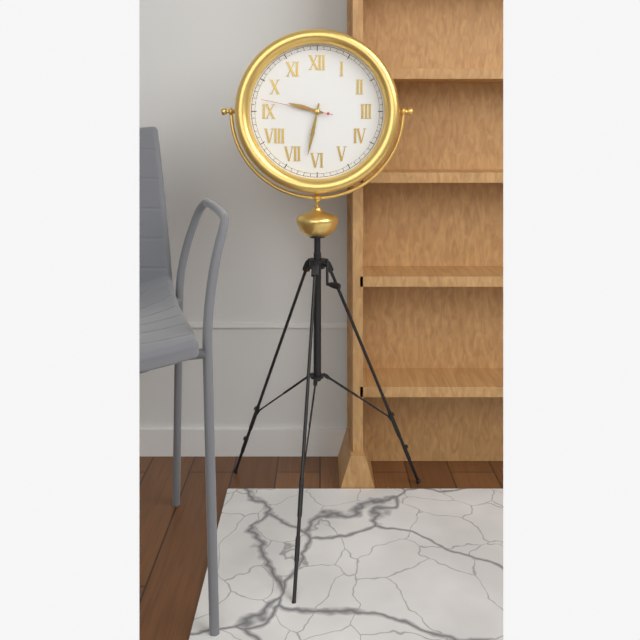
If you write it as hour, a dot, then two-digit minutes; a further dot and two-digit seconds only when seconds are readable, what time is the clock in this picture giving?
9.32.47
